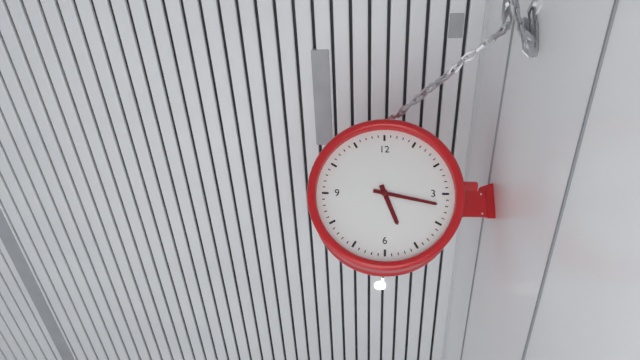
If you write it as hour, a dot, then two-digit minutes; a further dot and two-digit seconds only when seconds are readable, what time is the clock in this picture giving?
5.17
